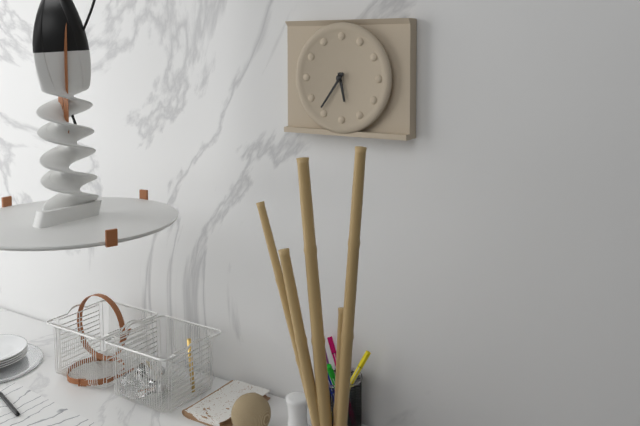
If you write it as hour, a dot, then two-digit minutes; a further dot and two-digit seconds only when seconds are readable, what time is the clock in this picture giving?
5.36
